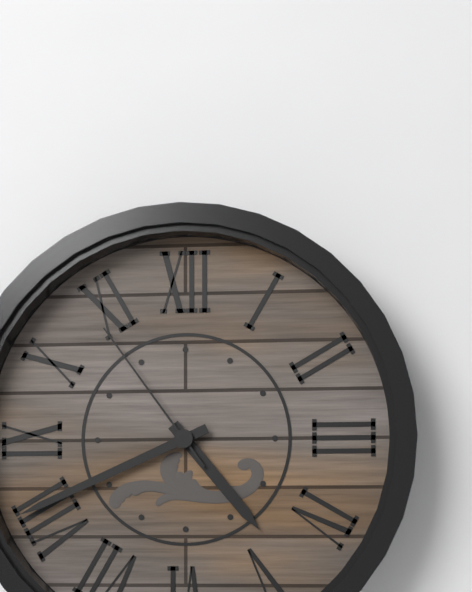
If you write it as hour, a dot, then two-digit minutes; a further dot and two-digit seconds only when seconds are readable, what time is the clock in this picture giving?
4.41.54
